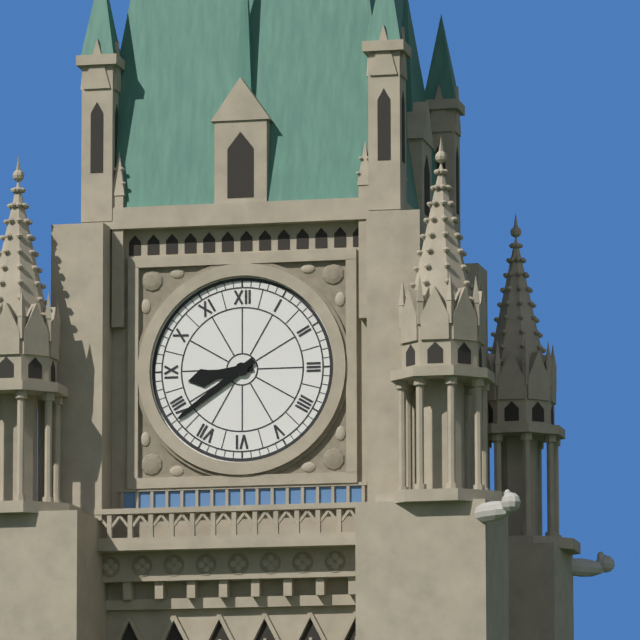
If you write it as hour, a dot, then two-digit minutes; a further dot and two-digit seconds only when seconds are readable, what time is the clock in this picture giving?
8.39
